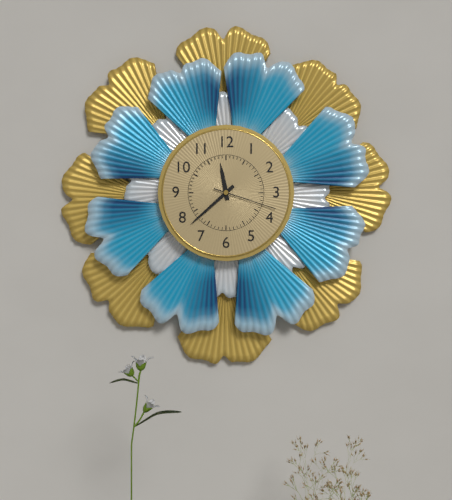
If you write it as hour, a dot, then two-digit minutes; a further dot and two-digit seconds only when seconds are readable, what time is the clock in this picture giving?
11.38.18
